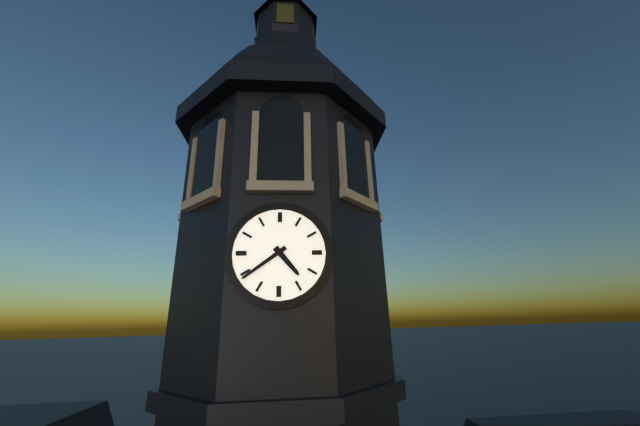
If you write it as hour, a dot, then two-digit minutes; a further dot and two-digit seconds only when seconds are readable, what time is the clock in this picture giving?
4.39
